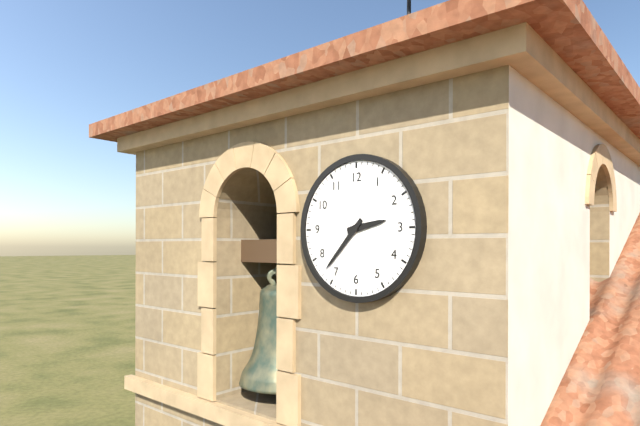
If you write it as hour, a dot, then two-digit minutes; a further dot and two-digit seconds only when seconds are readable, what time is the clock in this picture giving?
2.37
